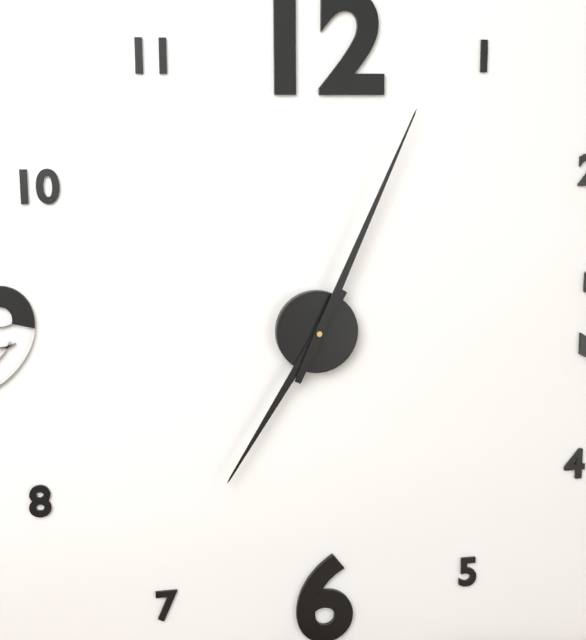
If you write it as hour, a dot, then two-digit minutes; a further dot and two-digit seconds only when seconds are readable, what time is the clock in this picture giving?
7.04
